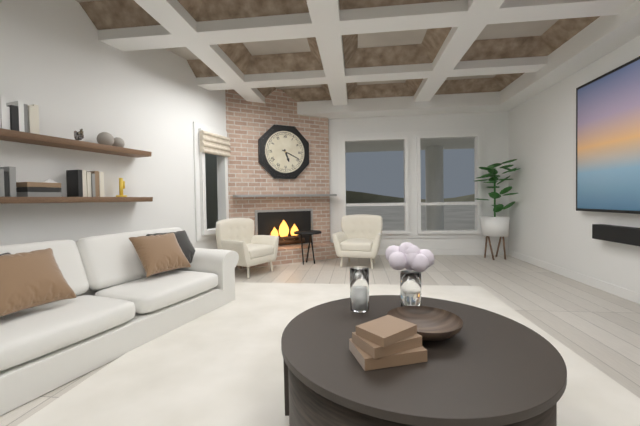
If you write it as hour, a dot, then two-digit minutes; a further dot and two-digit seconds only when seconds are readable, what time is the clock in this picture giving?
5.19
